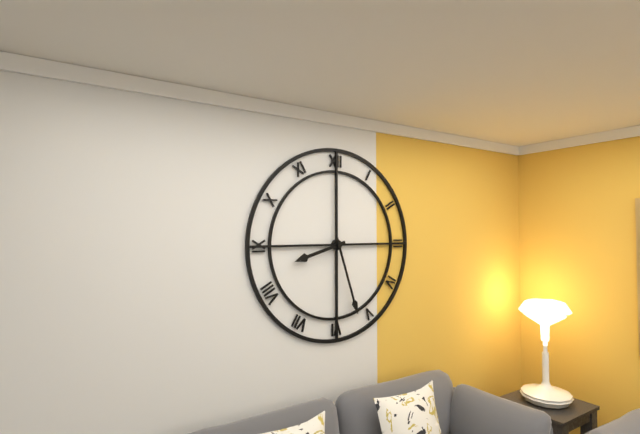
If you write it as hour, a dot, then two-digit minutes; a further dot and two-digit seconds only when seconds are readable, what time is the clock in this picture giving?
8.27
